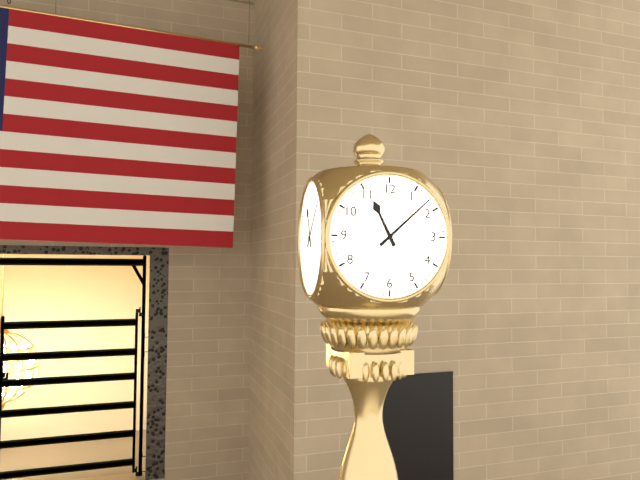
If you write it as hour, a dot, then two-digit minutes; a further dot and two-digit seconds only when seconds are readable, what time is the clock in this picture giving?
11.08
